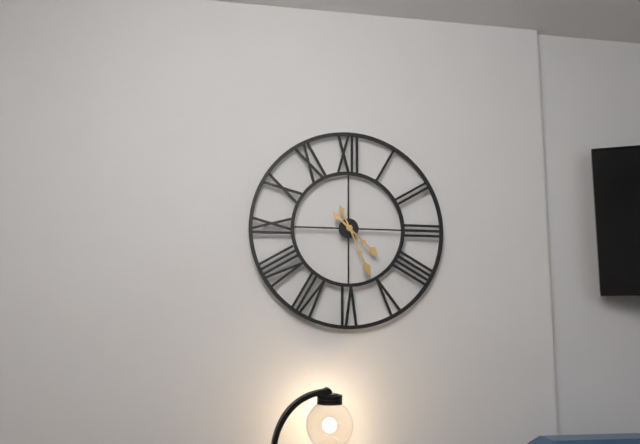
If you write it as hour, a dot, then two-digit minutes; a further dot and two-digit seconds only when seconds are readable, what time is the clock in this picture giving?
4.26
